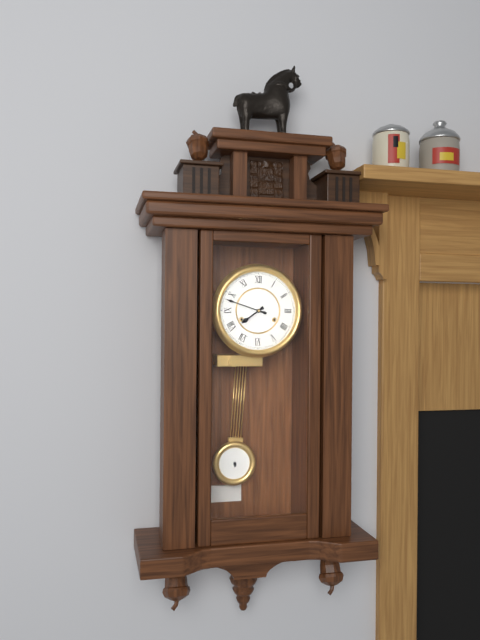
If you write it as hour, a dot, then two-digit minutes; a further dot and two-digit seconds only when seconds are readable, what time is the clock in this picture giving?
7.48
